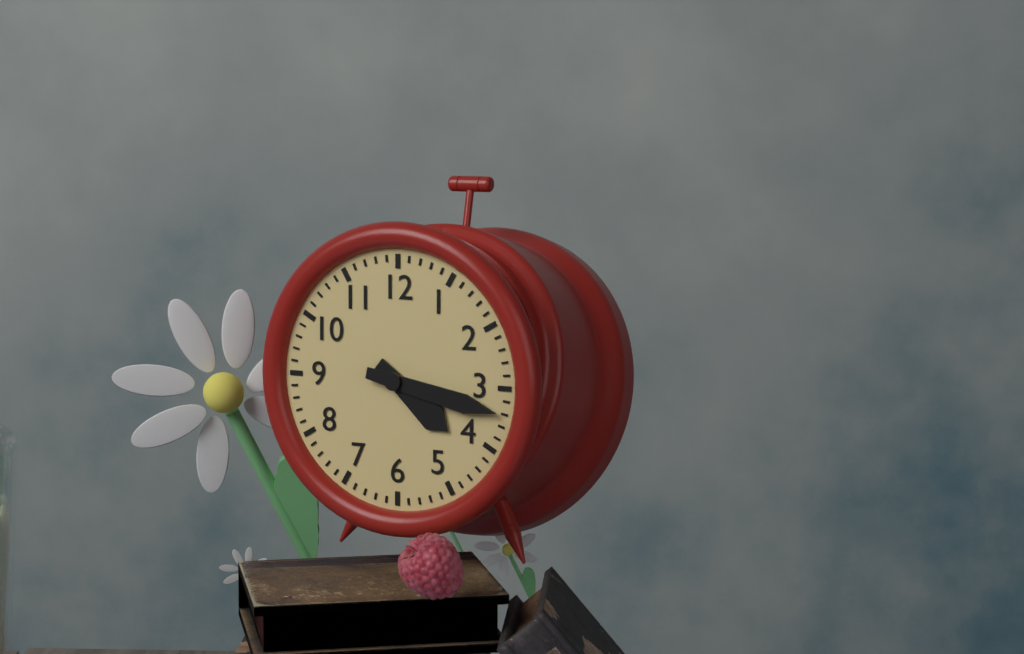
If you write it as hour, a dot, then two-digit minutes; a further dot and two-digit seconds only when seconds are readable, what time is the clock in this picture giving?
4.17
